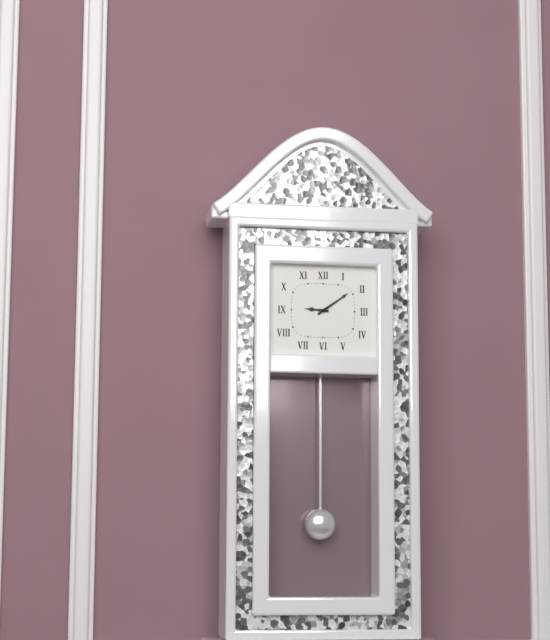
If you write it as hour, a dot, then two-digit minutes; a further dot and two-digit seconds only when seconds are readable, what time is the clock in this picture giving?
9.09
